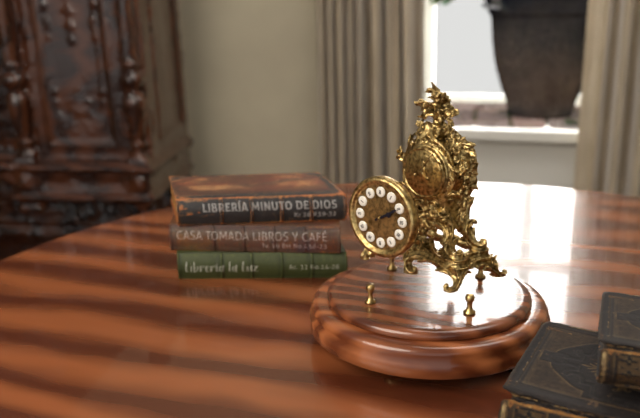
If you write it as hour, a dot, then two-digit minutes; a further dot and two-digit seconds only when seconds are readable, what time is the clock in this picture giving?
2.10
